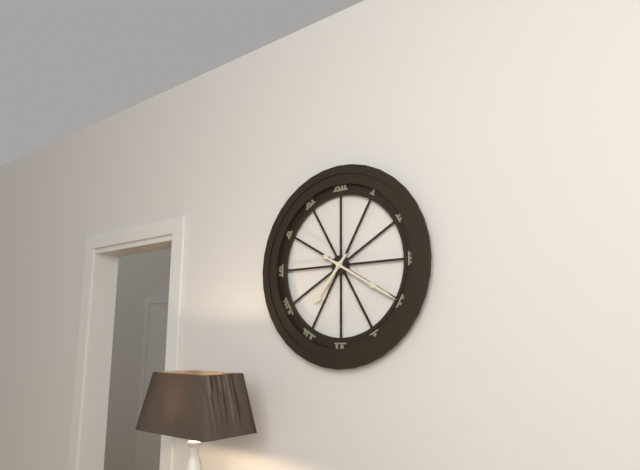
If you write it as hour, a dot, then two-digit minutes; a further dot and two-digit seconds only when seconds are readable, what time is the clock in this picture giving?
7.20
